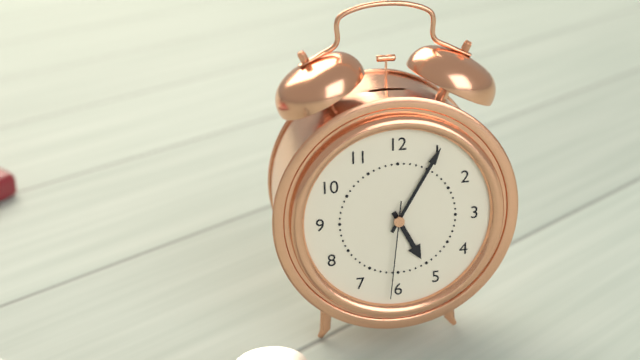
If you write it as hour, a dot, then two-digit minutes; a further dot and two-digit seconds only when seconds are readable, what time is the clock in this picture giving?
5.05.31
